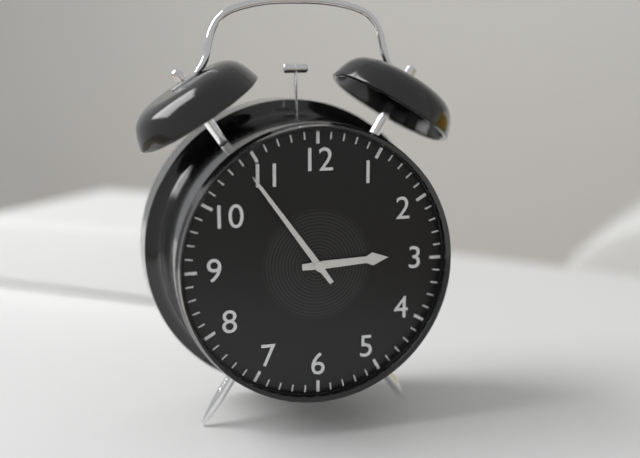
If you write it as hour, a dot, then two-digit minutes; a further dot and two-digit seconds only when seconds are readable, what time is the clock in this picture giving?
2.54
